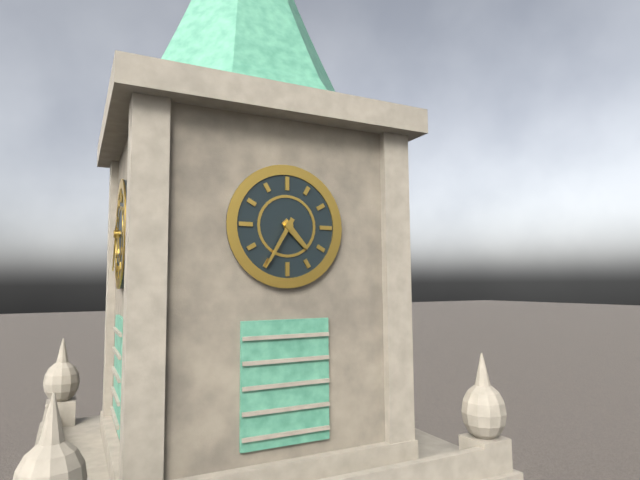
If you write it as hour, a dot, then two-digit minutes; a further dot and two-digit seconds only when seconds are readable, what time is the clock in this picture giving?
4.35
